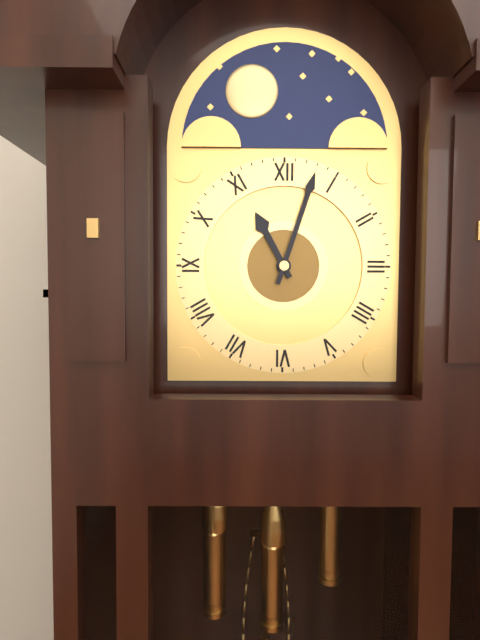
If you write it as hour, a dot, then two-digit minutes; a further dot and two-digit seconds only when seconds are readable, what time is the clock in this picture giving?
11.03
